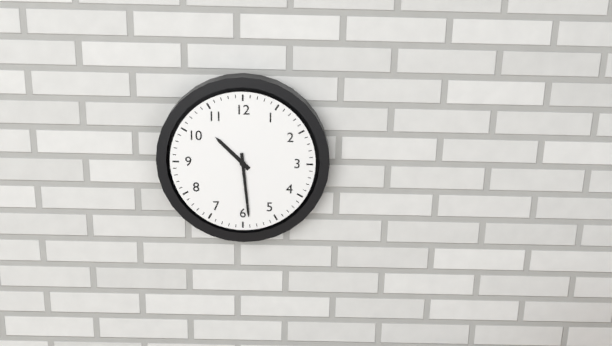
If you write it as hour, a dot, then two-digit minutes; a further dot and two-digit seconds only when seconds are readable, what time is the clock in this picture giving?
10.29
